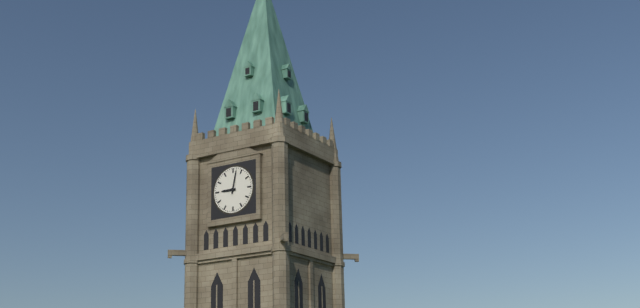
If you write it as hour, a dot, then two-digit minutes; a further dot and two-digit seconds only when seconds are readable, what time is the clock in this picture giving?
9.02
